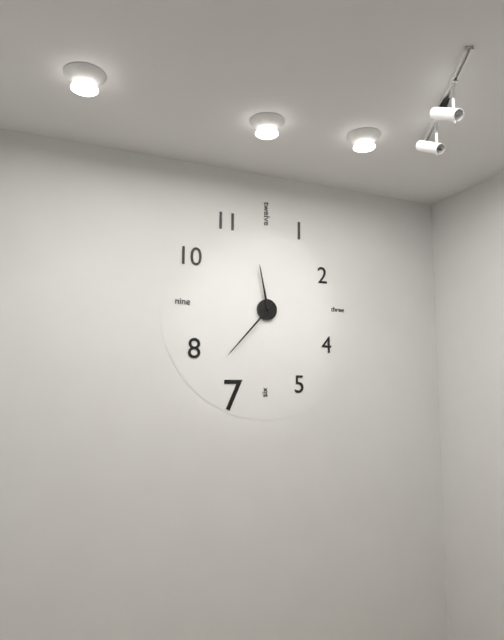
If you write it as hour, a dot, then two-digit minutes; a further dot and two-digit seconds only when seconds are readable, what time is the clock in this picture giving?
11.37
